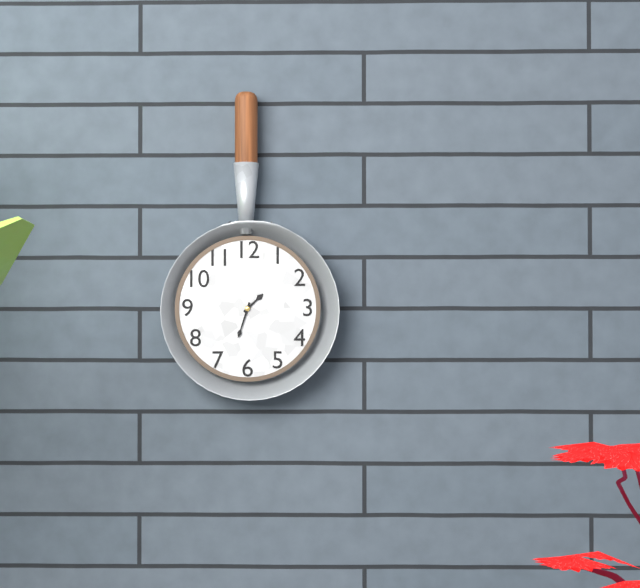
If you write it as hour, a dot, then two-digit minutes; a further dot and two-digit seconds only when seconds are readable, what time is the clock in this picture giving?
1.33
